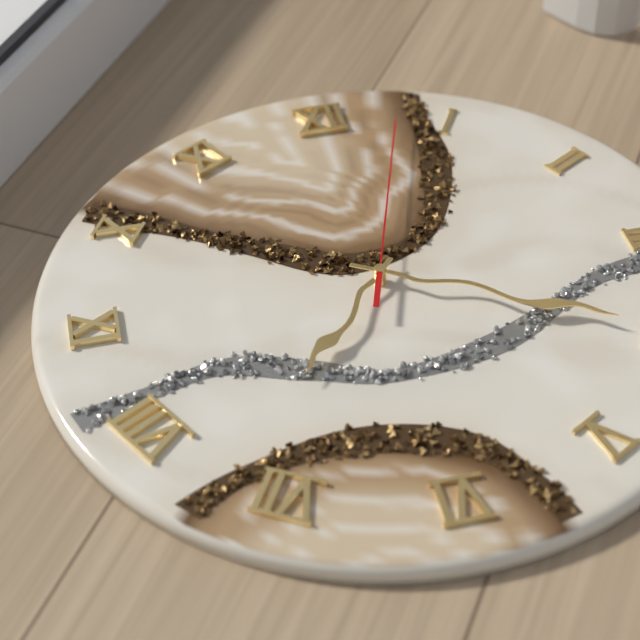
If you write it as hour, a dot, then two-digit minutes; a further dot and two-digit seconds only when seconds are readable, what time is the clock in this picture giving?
7.20.03
